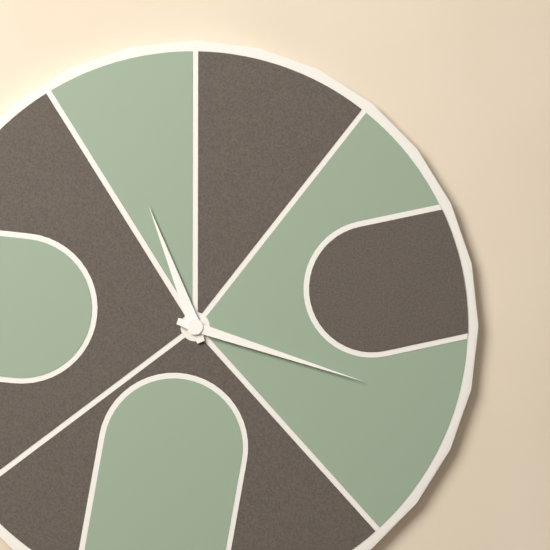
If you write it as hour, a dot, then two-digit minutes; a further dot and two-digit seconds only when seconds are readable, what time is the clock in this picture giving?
11.18
